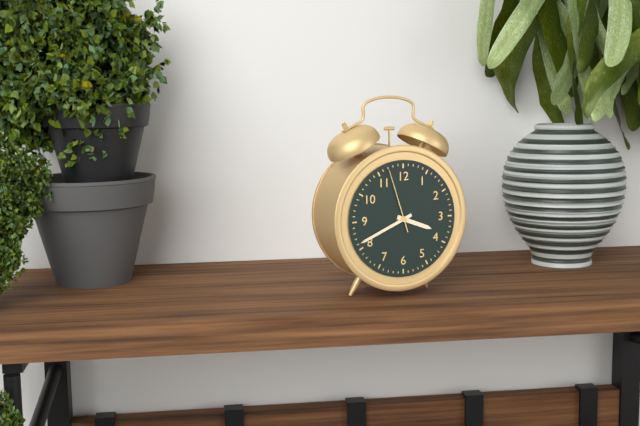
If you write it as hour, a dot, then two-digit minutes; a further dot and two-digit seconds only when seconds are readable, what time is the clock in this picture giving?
3.41.57
